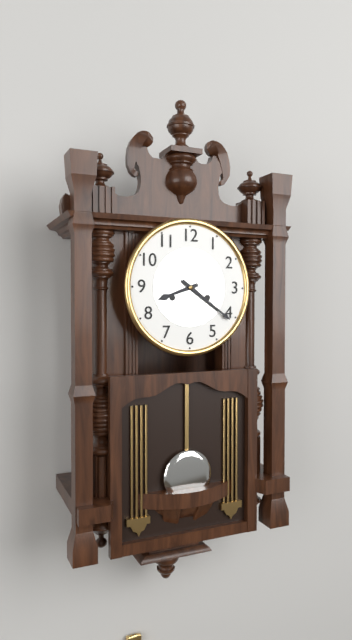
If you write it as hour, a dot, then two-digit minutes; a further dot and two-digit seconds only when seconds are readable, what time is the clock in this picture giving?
8.21
